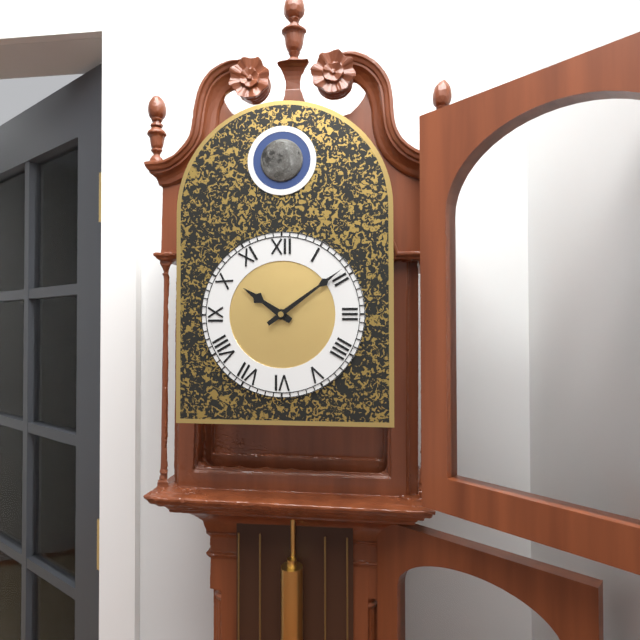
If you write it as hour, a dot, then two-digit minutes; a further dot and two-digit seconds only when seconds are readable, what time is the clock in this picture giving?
10.09
